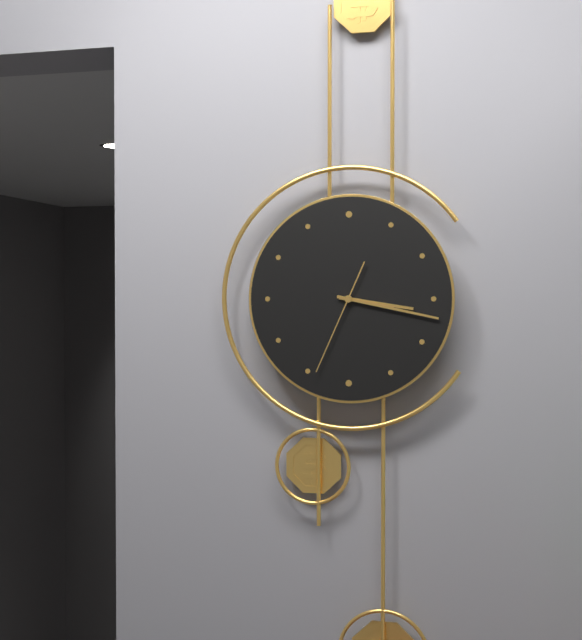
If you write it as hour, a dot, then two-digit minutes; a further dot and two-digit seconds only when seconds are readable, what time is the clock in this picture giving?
3.17.34
